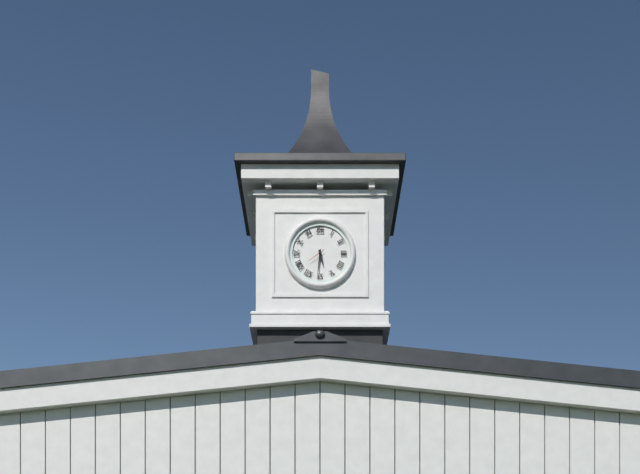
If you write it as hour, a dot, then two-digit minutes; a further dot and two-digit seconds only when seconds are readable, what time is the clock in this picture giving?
5.31
